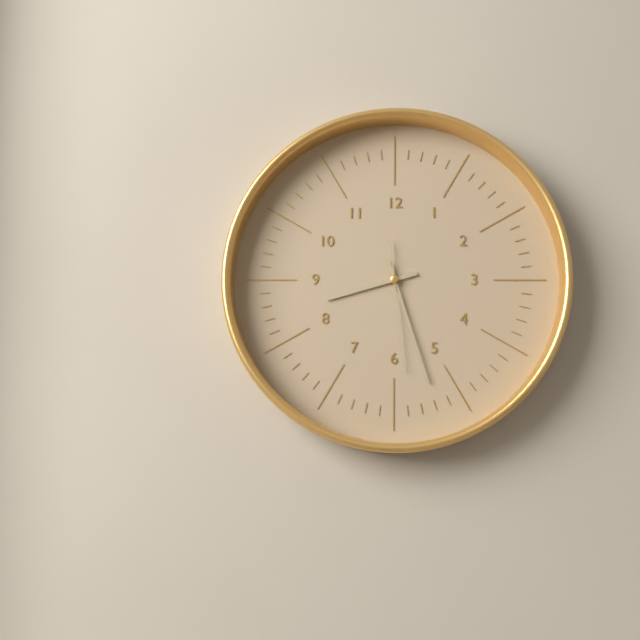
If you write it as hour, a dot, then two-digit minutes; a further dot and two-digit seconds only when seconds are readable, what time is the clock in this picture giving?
8.27.29
